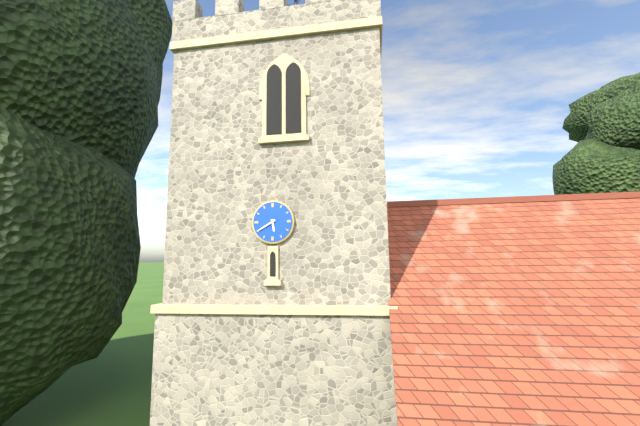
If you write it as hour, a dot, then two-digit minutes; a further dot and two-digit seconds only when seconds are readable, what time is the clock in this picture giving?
5.40
